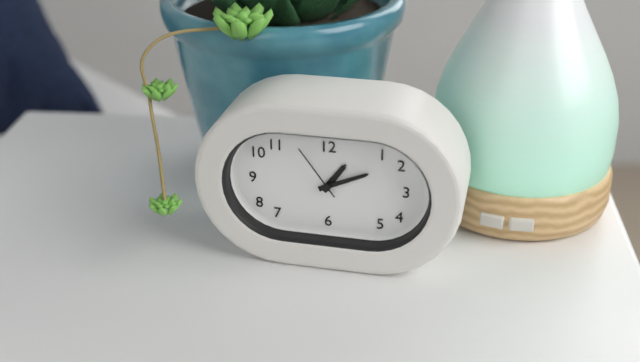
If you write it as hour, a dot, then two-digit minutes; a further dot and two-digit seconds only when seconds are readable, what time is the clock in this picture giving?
1.11.54
